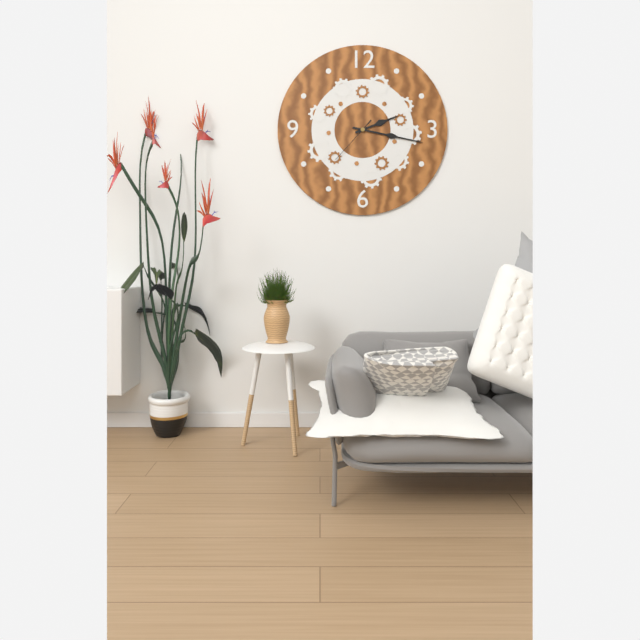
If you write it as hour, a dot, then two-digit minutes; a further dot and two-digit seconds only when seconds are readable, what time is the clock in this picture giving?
2.17.37
